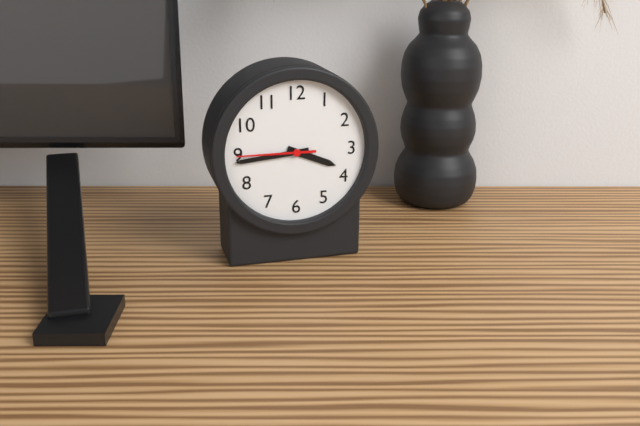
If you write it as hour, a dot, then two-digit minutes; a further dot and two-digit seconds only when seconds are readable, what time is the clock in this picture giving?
3.44.45
